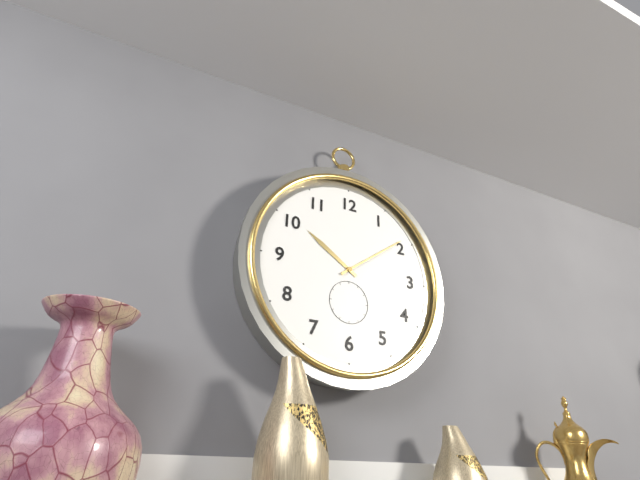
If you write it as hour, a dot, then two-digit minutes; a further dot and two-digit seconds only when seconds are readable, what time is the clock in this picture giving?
10.09
